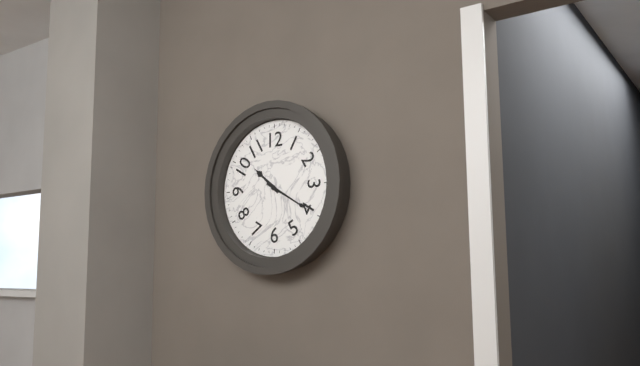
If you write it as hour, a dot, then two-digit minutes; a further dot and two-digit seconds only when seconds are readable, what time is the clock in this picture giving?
10.20
